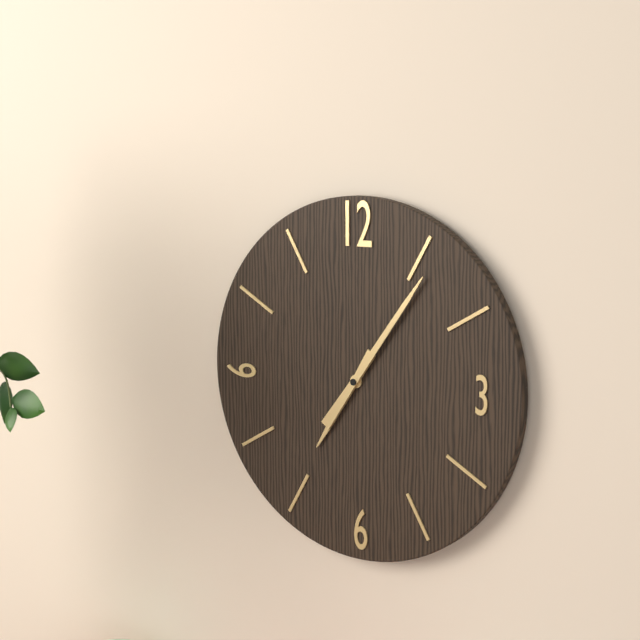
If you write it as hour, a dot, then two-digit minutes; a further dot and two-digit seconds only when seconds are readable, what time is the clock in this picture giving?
7.06
